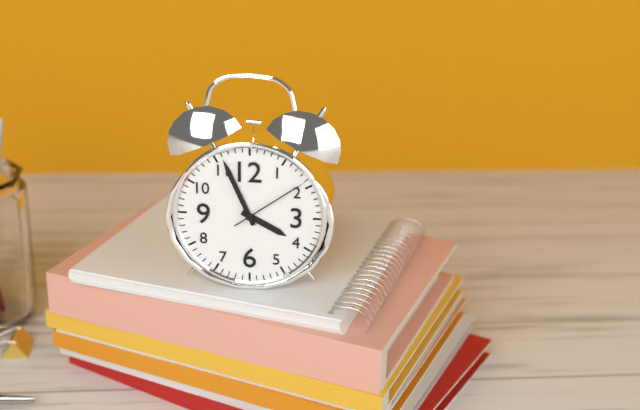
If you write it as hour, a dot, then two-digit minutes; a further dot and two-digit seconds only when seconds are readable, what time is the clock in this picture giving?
3.56.09
